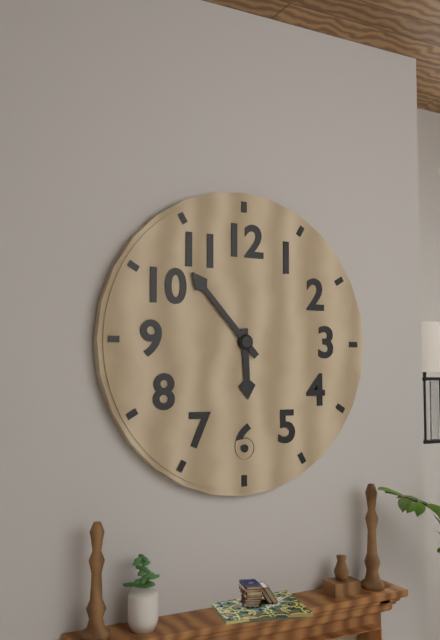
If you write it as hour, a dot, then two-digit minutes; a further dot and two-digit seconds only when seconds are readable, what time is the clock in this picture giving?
5.53
